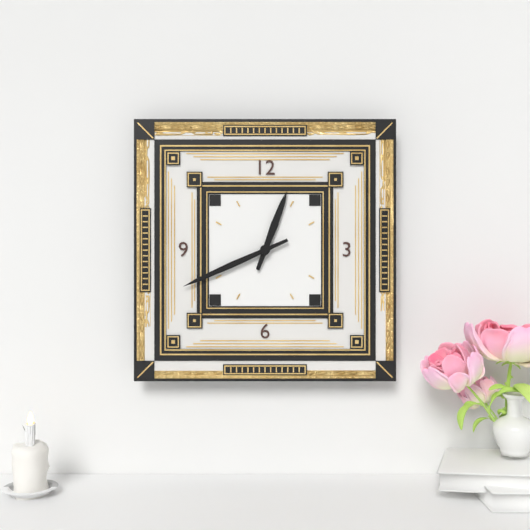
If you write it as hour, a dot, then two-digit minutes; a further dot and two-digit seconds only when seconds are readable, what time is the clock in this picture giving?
12.41
